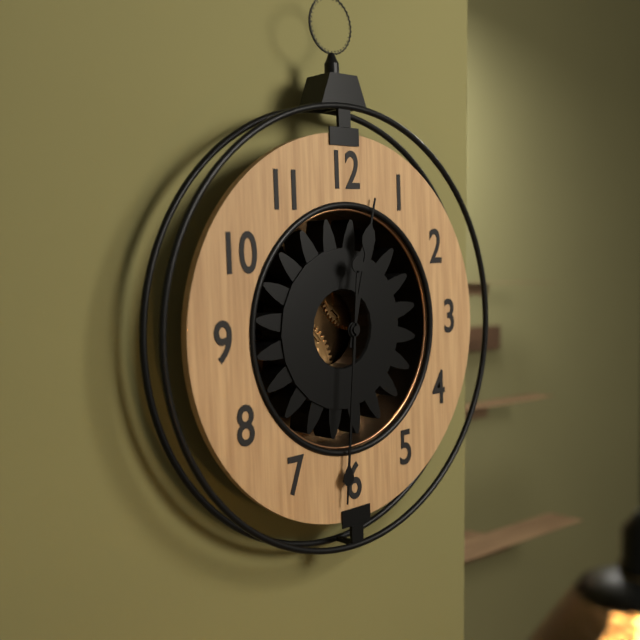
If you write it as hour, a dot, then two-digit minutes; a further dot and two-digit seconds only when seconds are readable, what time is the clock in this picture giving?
12.31
